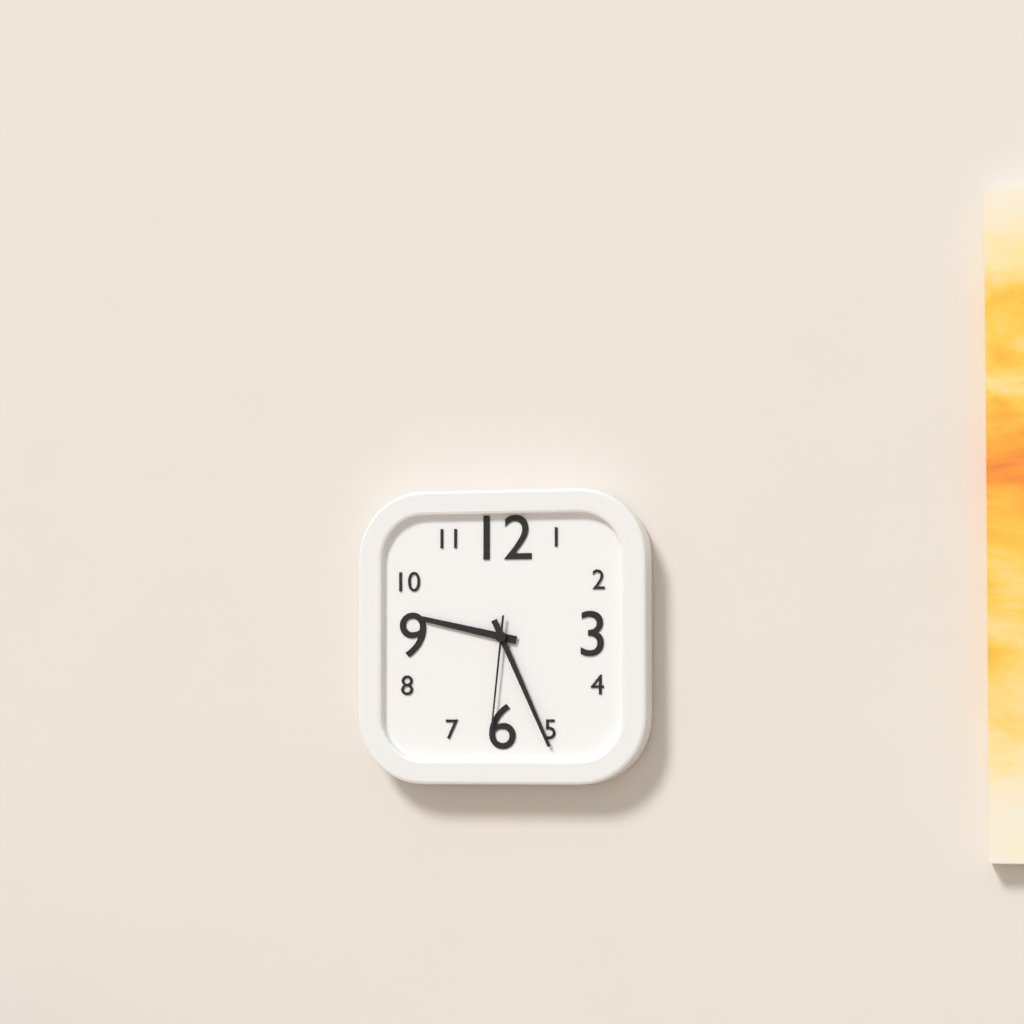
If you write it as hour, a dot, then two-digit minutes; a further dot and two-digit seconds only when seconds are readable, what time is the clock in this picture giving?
9.26.31
